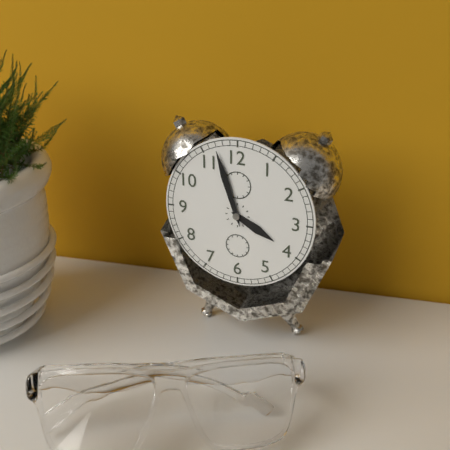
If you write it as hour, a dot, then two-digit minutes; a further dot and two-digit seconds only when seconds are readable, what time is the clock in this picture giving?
3.57
